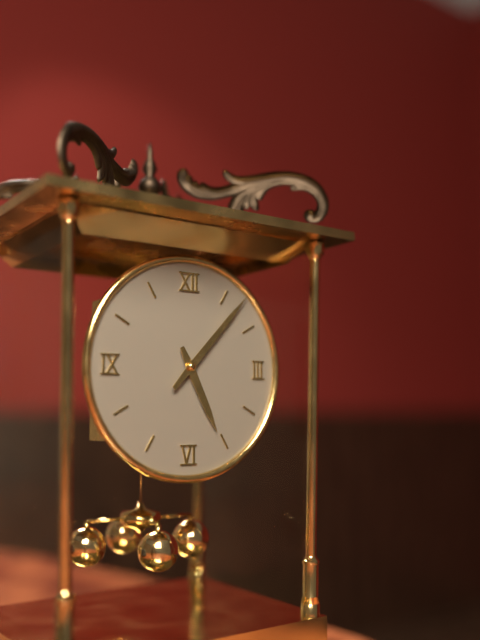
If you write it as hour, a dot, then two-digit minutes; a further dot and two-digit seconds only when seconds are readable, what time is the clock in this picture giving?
5.07
